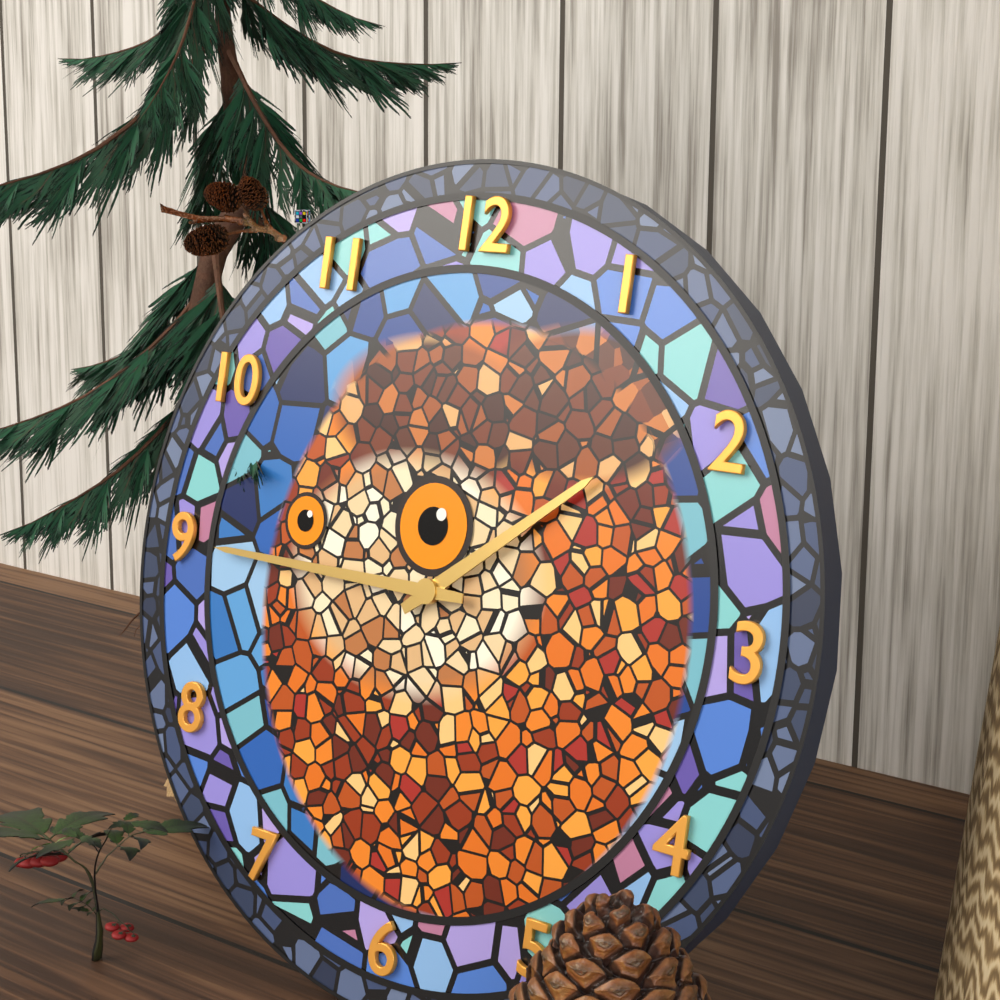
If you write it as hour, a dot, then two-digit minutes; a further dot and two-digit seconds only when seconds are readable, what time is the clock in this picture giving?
1.45
